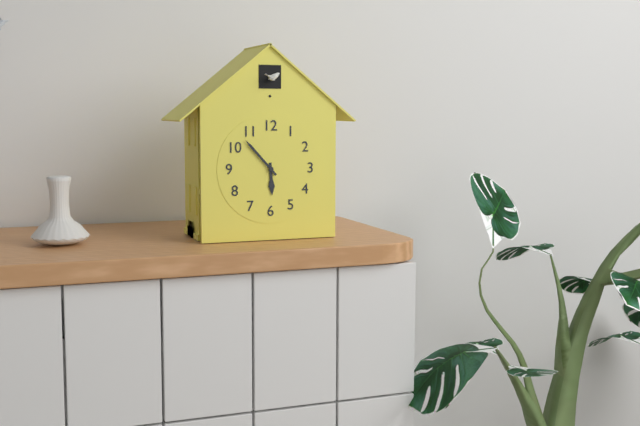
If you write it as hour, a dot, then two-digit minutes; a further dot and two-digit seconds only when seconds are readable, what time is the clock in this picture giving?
5.53
